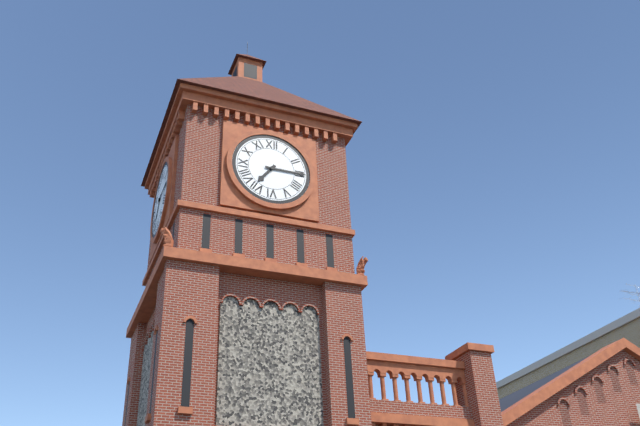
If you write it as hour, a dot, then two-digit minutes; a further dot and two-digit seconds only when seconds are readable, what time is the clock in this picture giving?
7.15
